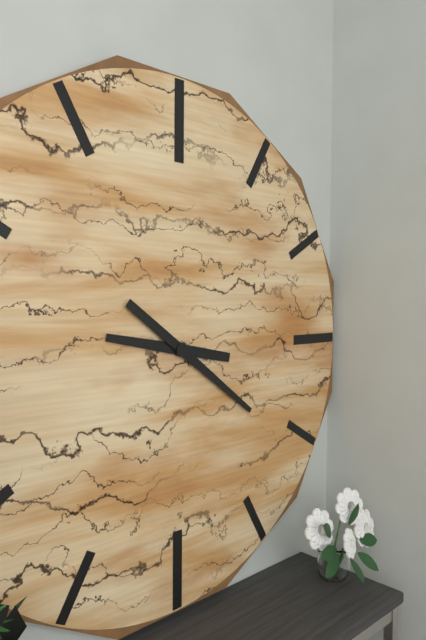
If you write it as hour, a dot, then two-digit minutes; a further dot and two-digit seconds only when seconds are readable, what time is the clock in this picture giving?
9.21
